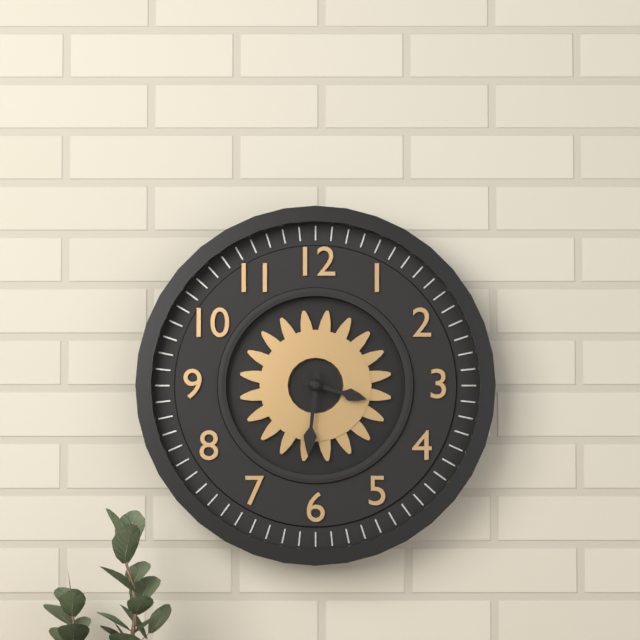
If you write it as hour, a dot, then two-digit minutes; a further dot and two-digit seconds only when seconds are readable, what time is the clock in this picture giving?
3.31
